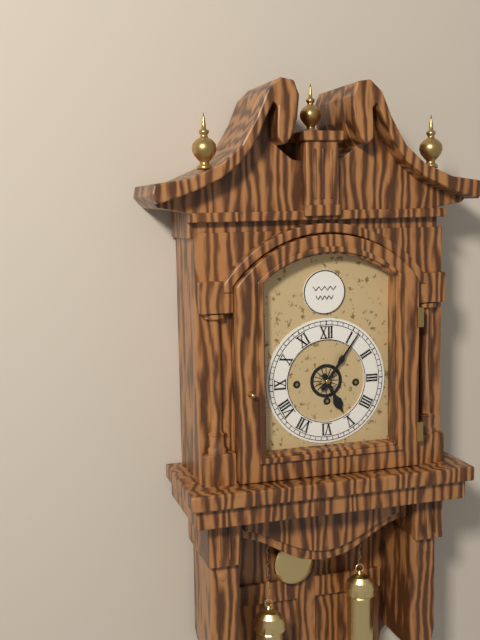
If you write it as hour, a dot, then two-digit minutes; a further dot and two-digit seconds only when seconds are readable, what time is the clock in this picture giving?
5.06
